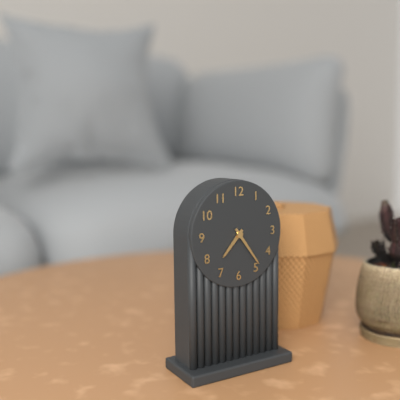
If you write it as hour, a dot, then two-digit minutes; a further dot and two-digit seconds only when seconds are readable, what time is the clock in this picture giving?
7.24
